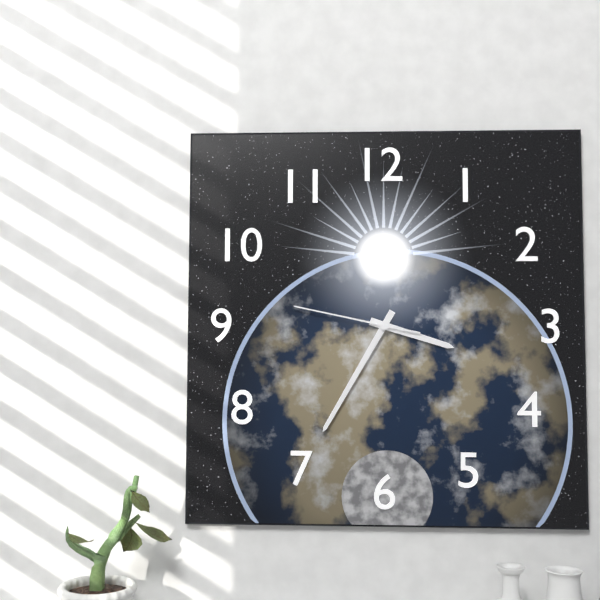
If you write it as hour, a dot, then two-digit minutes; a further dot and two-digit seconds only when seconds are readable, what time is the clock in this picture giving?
3.35.47
